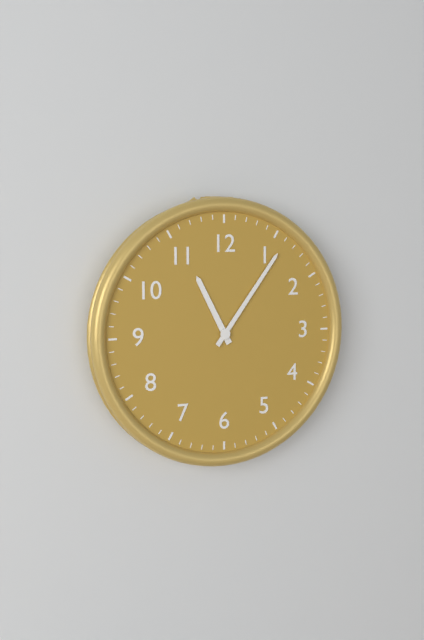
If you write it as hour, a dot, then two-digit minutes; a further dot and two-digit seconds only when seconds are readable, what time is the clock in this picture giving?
11.06
